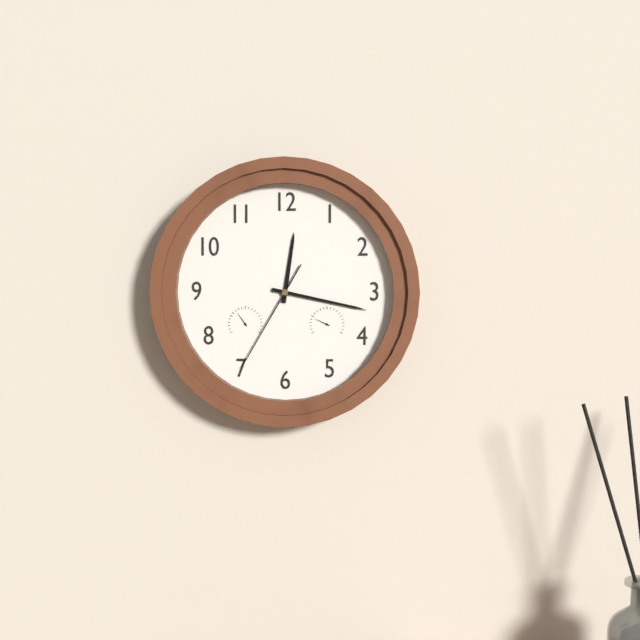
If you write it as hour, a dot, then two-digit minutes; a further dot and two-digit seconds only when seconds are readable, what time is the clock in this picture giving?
12.17.35
